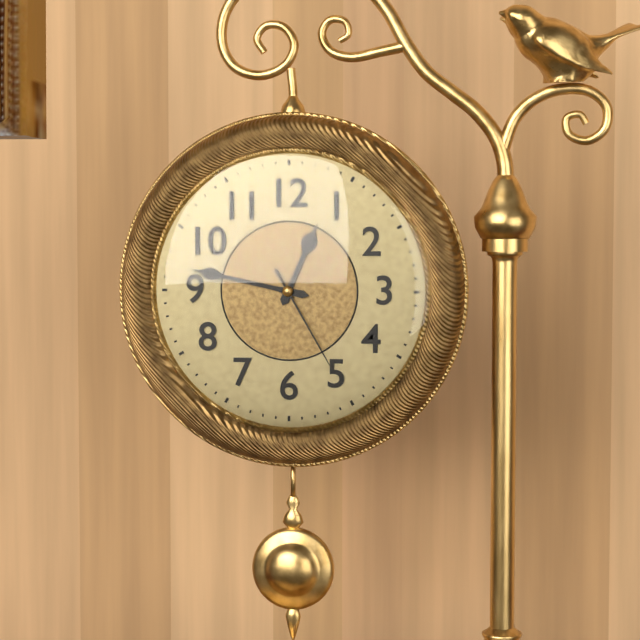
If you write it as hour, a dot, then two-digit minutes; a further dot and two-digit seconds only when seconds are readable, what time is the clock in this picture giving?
12.47.25
